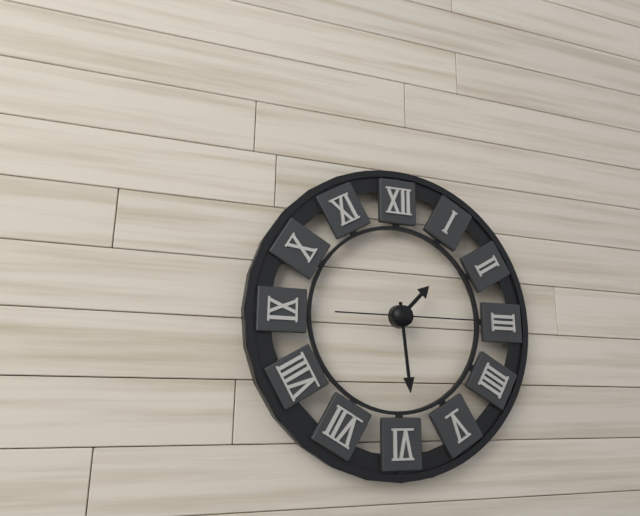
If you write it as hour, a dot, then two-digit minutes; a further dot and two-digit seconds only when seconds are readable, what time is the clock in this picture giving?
1.29.15
